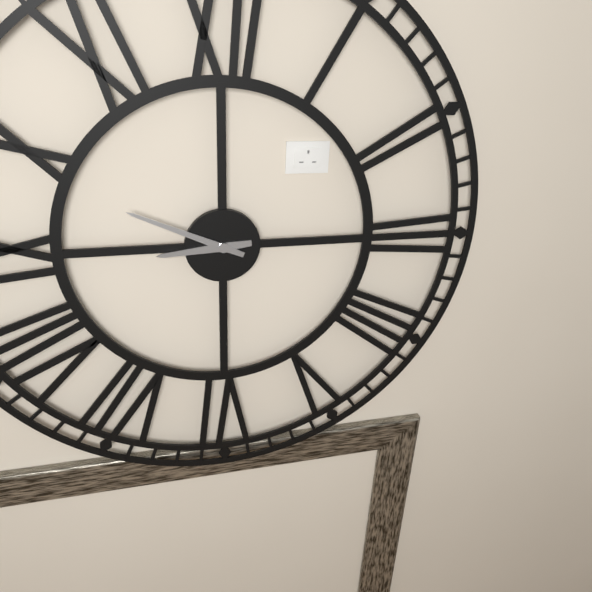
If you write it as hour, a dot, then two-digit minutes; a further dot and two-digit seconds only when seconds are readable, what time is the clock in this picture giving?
8.49
